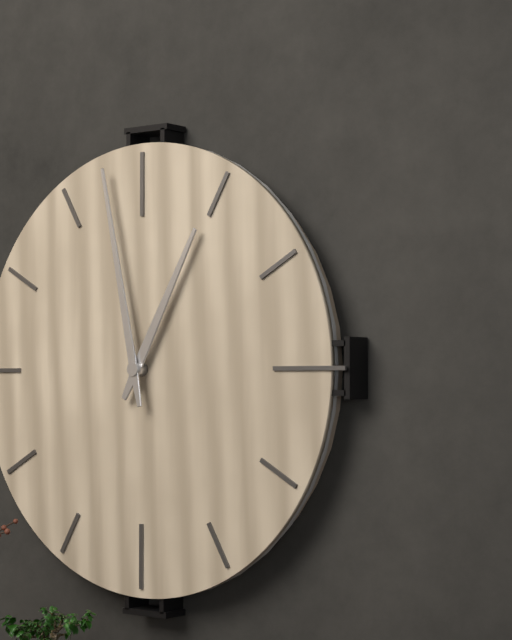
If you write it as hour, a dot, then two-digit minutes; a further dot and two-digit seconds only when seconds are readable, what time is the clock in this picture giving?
12.58
